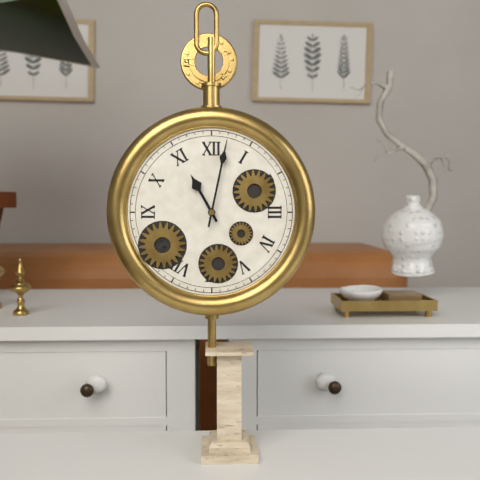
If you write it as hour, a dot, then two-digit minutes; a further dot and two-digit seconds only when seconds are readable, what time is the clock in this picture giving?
11.02
